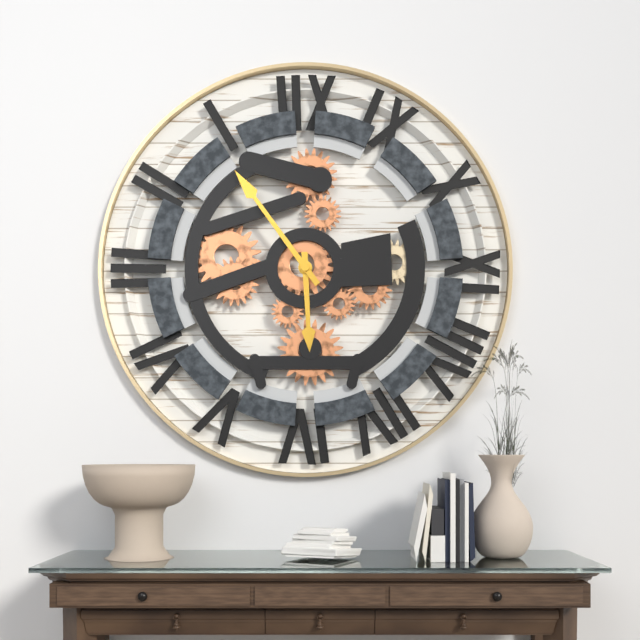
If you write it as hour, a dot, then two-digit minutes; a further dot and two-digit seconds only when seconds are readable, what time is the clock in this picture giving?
5.54
